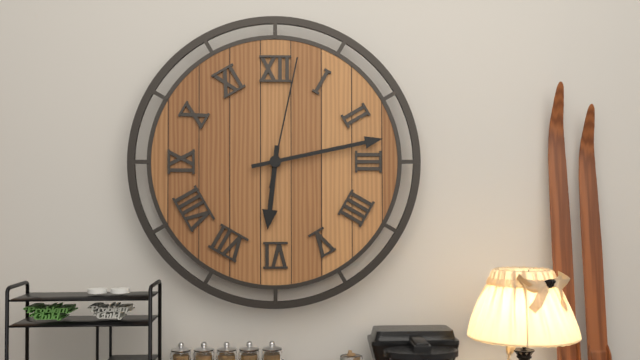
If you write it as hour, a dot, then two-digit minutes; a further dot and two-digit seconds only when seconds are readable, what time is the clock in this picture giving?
6.13.02
